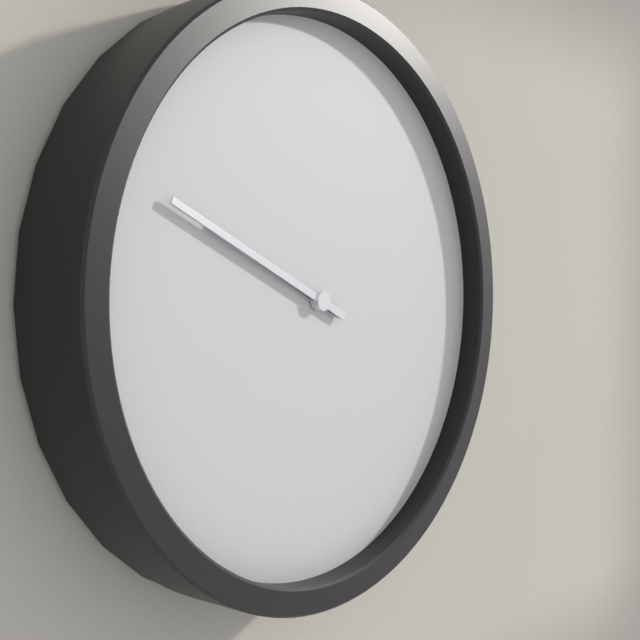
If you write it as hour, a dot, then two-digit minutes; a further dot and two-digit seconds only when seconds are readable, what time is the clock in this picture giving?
9.49
